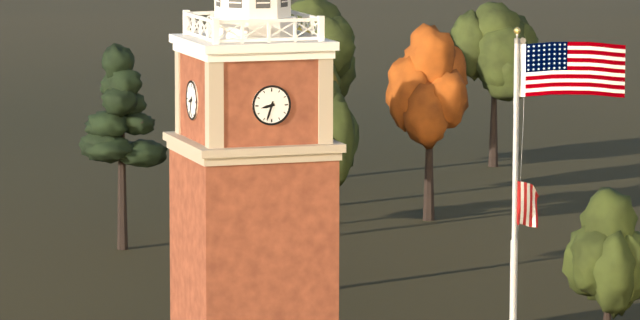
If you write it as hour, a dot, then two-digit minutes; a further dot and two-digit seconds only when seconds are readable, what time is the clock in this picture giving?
8.33
